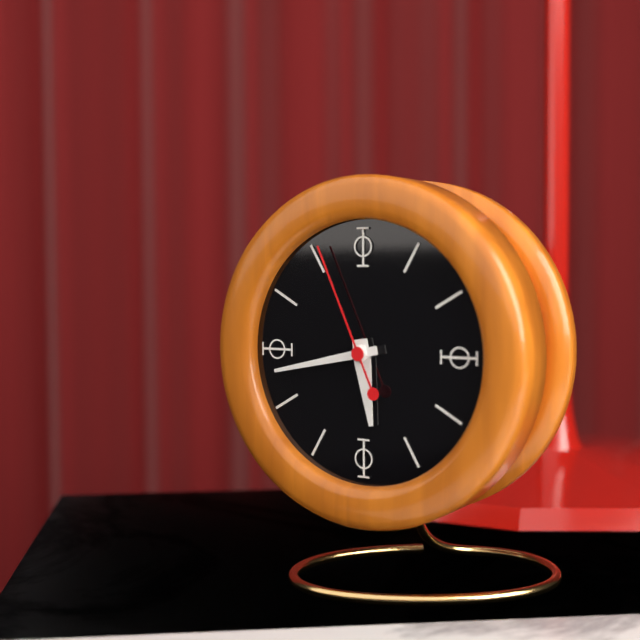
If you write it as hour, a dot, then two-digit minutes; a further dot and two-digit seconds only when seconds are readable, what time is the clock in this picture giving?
5.43.56
